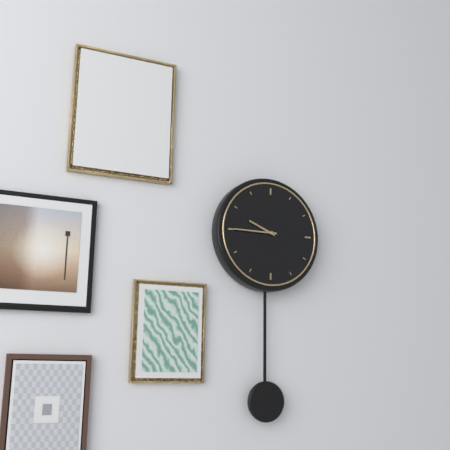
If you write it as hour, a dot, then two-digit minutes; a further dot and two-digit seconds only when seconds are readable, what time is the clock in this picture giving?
9.45
